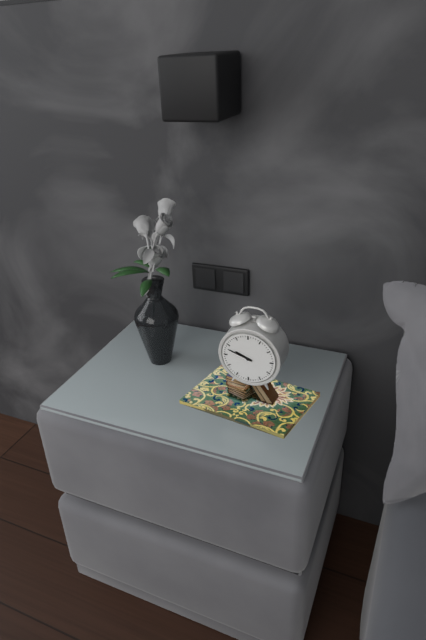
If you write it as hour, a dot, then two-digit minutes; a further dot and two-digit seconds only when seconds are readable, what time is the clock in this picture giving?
9.48
